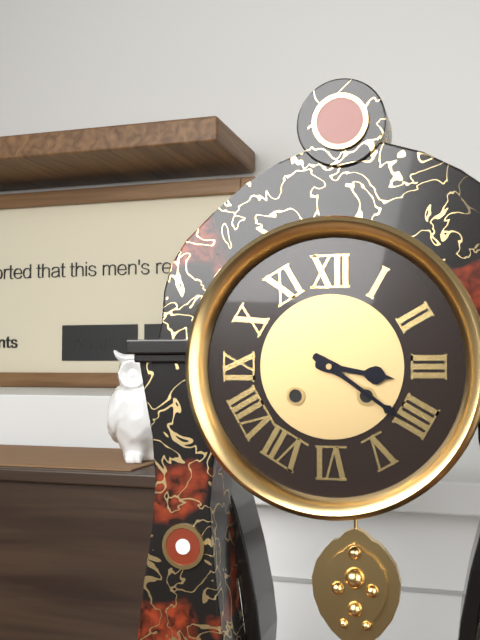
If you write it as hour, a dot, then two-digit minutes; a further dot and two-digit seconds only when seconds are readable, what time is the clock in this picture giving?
3.21
